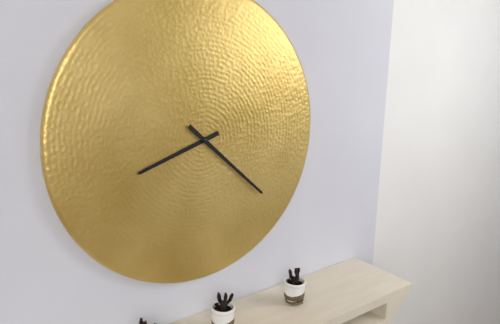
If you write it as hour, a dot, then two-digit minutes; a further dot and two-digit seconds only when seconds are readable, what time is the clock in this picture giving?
8.22
